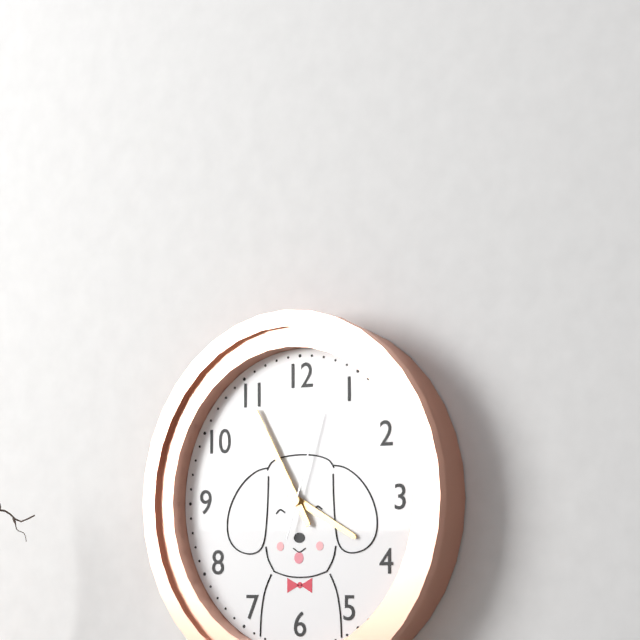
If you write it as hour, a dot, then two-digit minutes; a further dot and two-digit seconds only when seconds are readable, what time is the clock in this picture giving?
3.55.03
